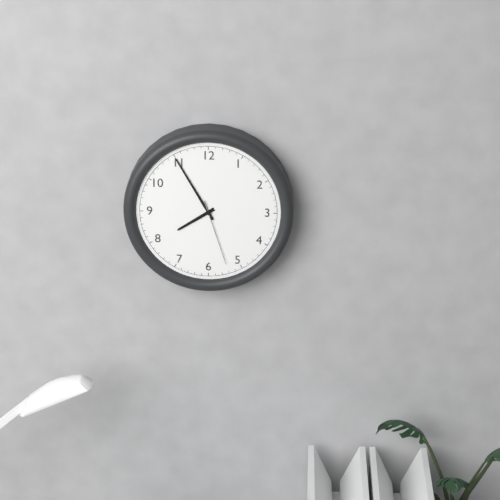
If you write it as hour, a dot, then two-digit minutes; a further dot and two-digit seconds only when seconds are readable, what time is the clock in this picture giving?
7.55.27
